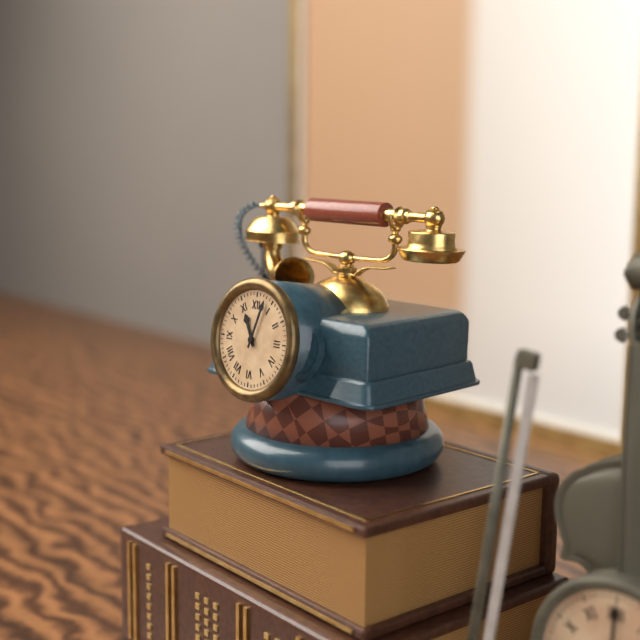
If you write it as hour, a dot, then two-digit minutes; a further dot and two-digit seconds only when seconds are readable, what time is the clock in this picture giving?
11.03
